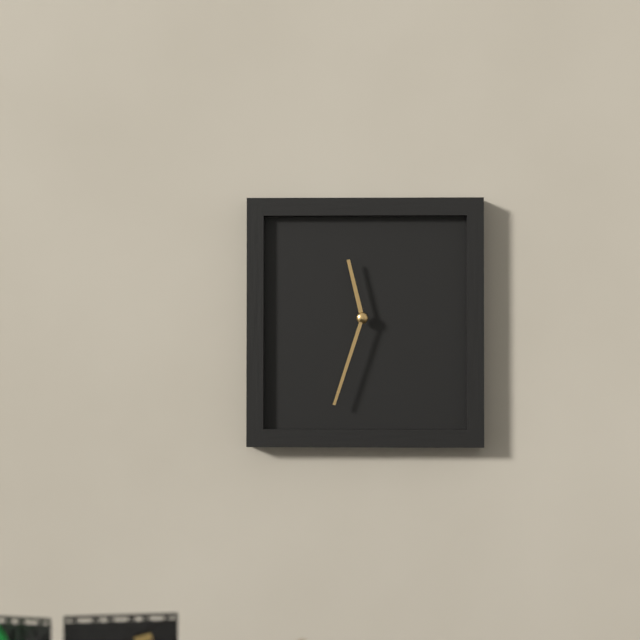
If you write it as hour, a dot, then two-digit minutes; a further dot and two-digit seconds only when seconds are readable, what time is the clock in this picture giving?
11.33
